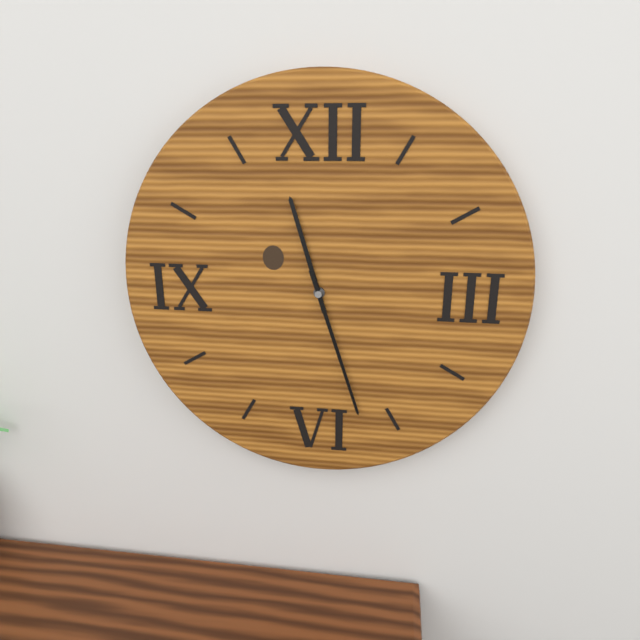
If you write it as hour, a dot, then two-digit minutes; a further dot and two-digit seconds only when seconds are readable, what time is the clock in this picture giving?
11.27
